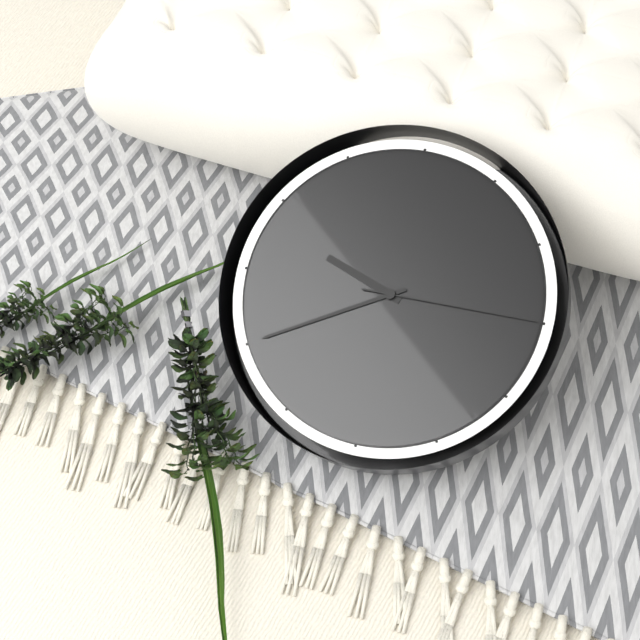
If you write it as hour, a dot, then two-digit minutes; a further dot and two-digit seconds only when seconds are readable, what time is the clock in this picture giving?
9.40.15
